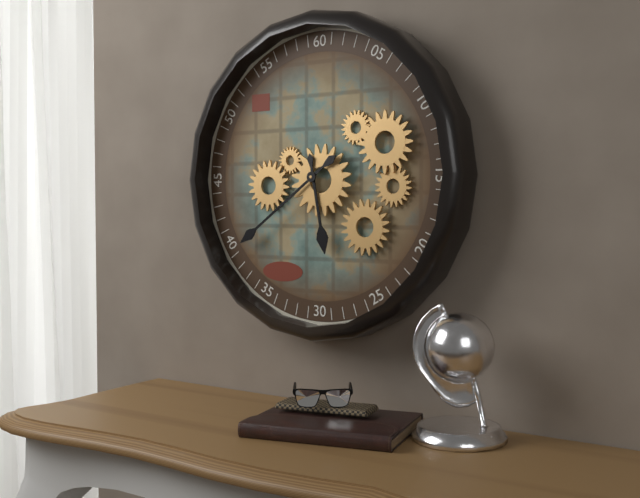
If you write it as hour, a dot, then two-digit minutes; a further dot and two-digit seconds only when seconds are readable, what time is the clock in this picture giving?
5.39
